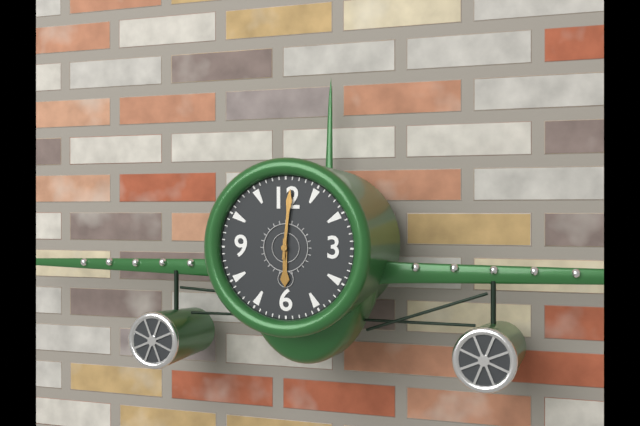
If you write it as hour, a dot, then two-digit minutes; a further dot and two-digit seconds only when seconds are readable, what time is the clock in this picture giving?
6.01
